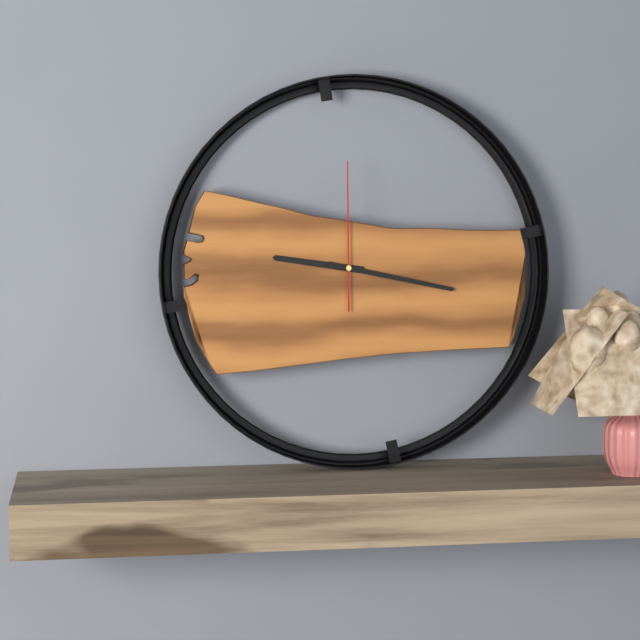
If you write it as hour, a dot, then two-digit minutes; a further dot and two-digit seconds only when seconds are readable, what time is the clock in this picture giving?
9.17.00
